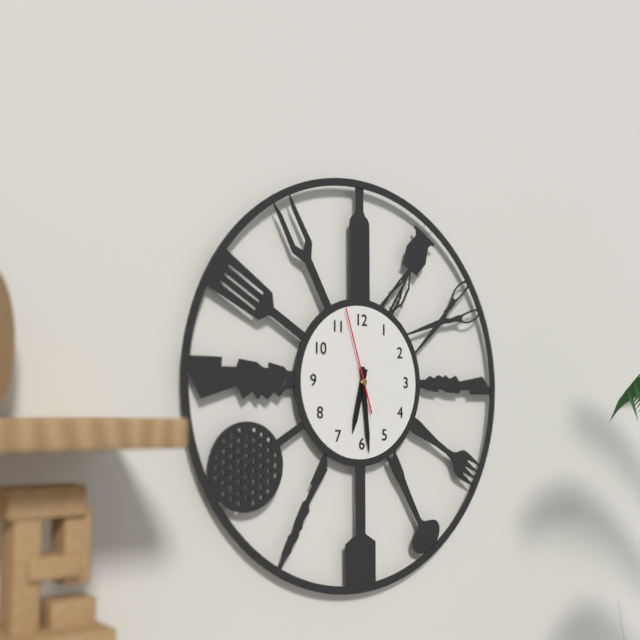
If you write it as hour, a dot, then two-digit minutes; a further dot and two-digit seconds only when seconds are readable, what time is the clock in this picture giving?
6.29.57
